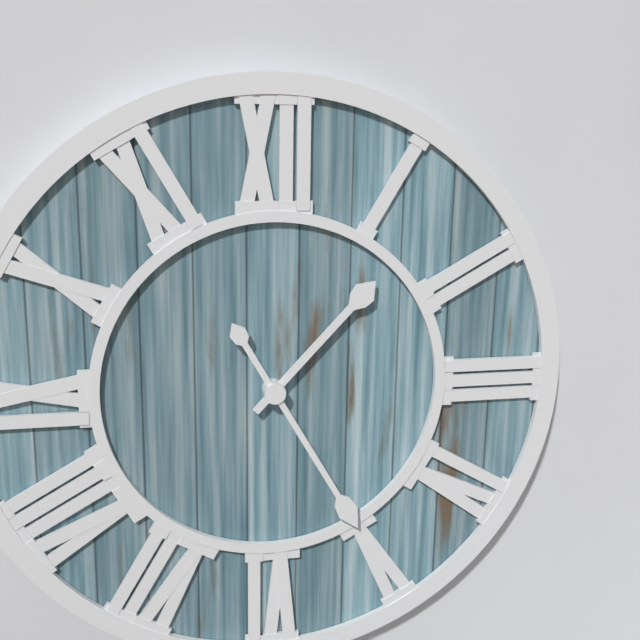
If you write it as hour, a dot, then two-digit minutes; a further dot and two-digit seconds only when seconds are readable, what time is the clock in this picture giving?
1.25
